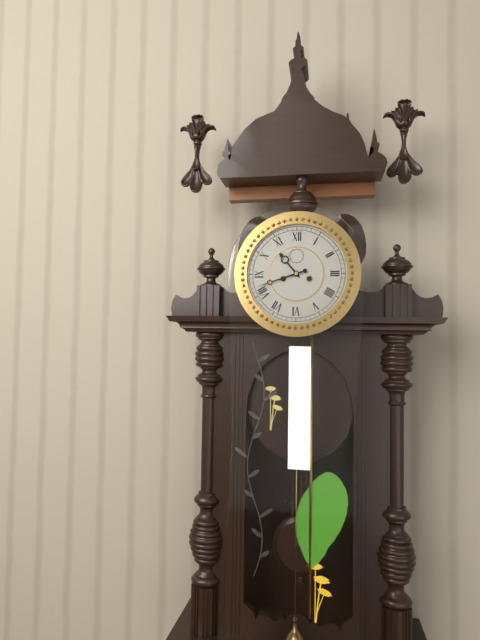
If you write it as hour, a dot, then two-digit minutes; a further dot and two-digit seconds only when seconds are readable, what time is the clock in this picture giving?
10.42
